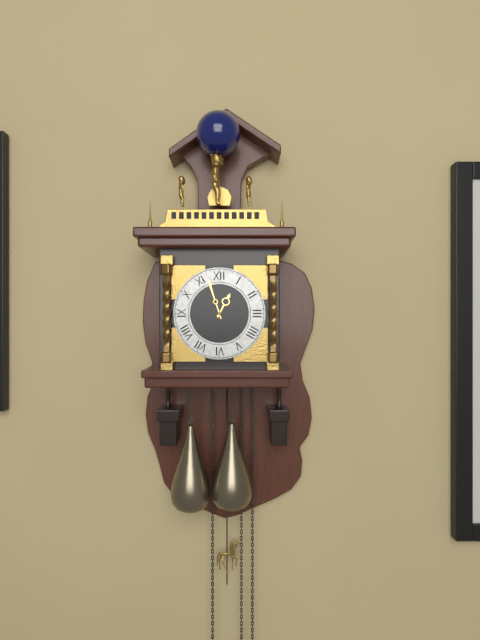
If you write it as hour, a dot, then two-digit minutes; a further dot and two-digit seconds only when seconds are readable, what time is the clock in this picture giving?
12.57
